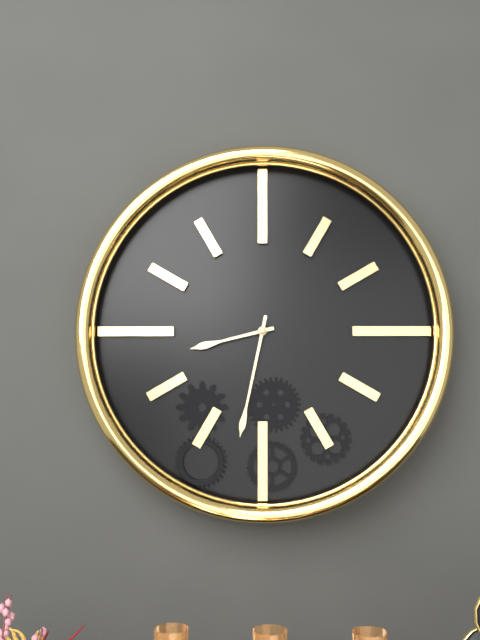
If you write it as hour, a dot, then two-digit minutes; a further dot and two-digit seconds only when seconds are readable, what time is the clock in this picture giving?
8.32
